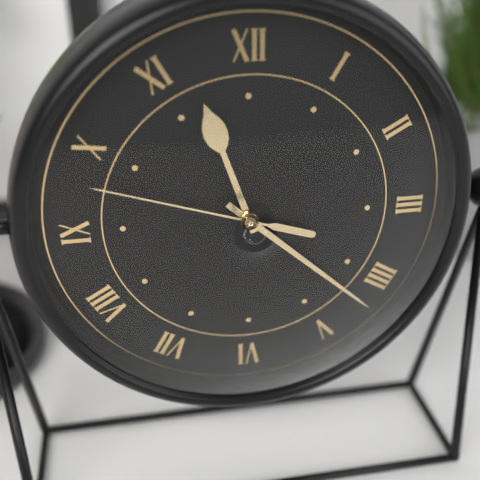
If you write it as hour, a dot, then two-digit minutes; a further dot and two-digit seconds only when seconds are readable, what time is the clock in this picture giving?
11.22.48
